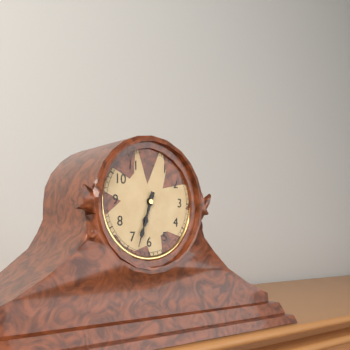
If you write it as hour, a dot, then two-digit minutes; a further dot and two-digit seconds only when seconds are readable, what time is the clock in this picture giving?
6.33
